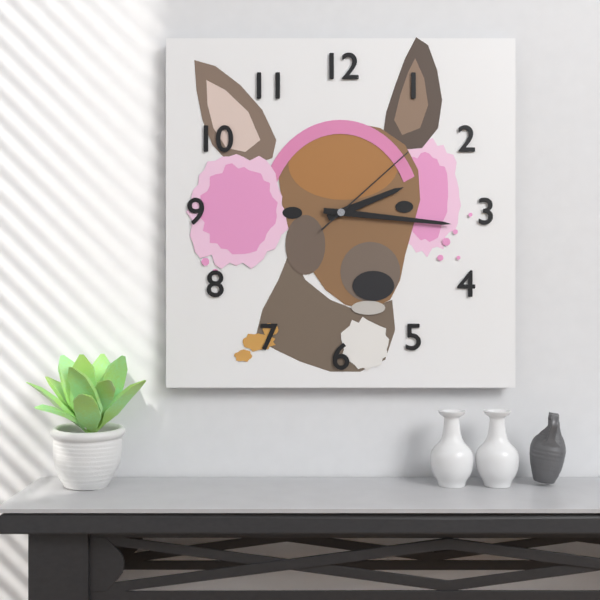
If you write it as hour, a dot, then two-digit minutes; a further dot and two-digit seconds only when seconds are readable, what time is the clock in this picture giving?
2.16.08
